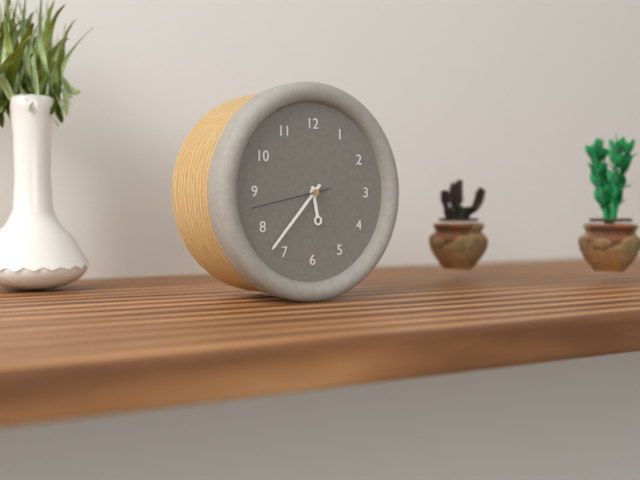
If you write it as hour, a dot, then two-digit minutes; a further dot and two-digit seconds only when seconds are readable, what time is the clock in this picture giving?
5.37.43
